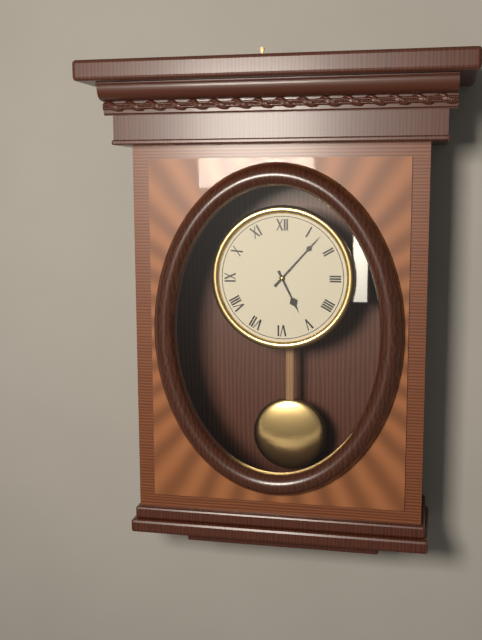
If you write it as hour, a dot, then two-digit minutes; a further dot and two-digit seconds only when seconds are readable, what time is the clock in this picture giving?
5.07
